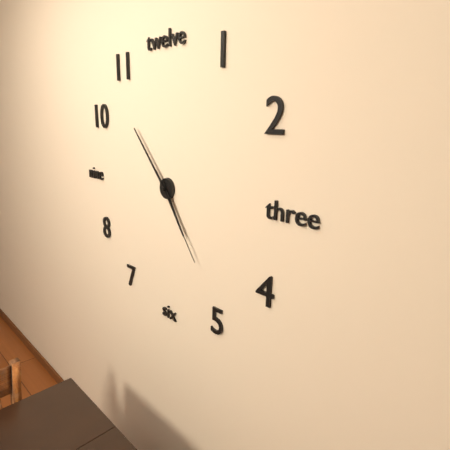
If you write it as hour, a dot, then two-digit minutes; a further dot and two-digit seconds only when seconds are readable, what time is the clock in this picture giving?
4.53.24
